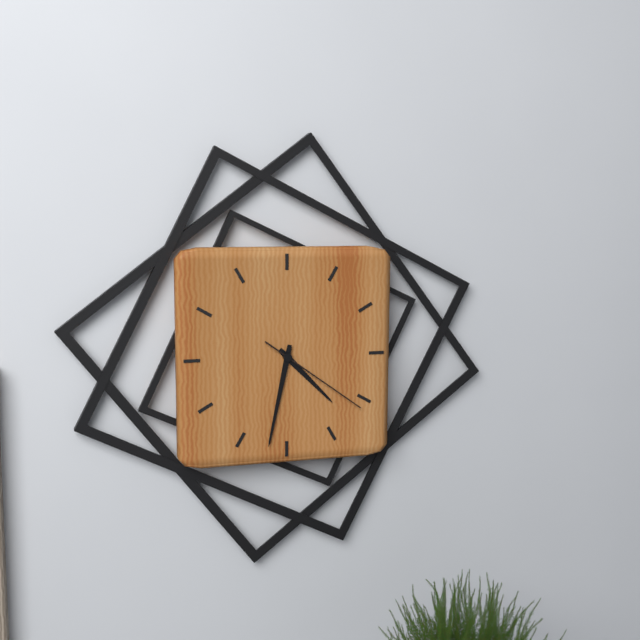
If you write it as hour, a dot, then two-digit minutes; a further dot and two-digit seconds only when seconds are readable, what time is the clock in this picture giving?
4.32.21
